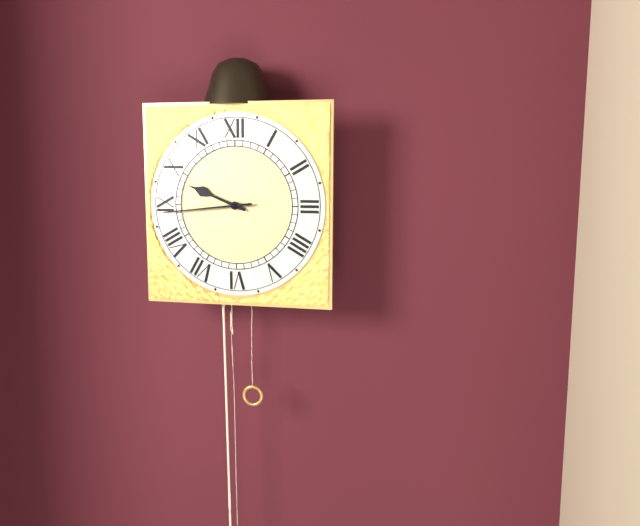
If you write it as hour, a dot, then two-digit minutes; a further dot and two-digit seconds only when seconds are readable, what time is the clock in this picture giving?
9.44
